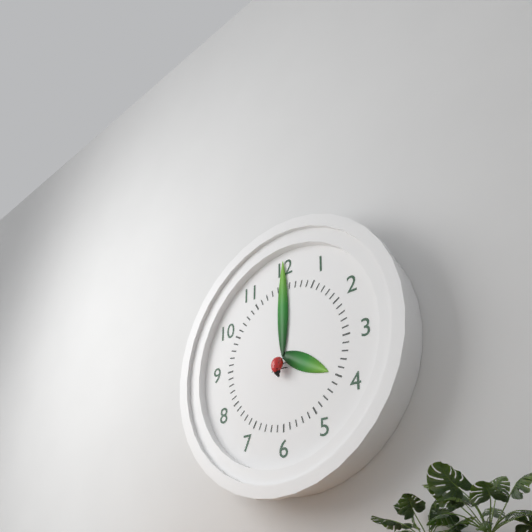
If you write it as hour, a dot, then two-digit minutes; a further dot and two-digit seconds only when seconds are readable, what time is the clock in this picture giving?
4.00
